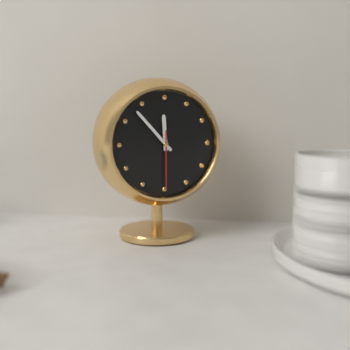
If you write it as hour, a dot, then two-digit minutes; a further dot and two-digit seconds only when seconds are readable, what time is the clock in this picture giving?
11.53.30
